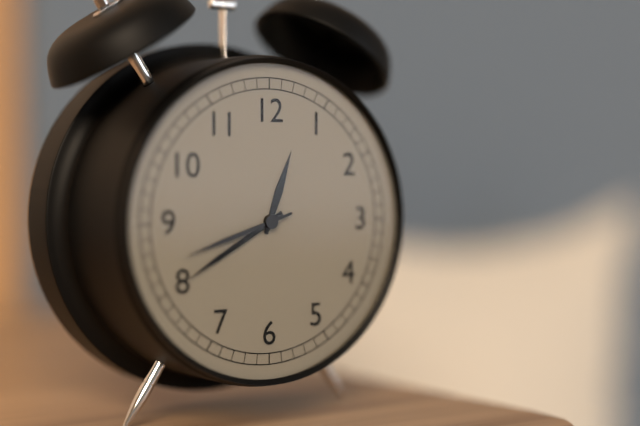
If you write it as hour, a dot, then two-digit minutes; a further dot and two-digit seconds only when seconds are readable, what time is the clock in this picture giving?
12.40.42
